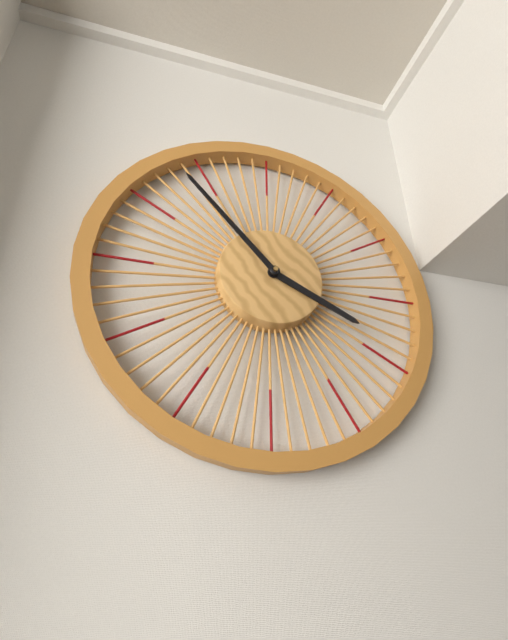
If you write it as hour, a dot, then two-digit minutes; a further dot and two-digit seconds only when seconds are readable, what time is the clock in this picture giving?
3.53
